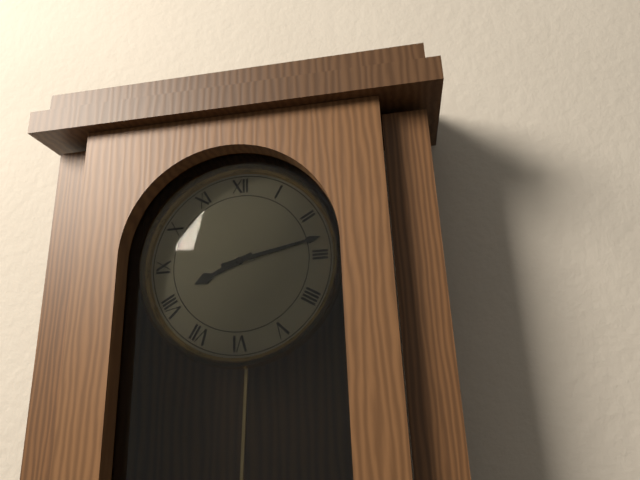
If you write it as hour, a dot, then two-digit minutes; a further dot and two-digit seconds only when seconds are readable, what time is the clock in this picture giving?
8.13
